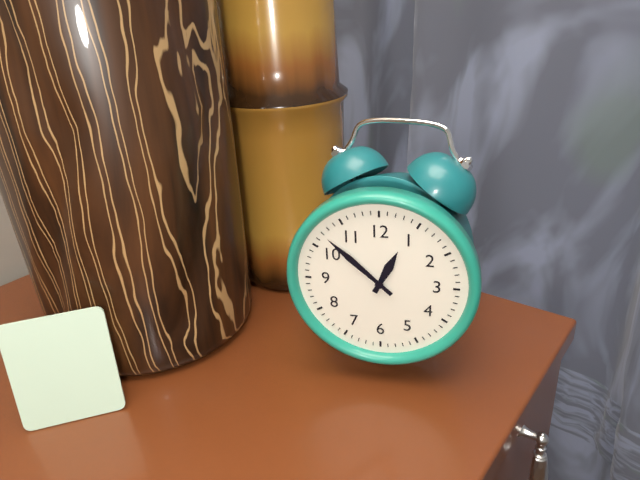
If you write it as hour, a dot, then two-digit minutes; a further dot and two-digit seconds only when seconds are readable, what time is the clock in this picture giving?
12.52
